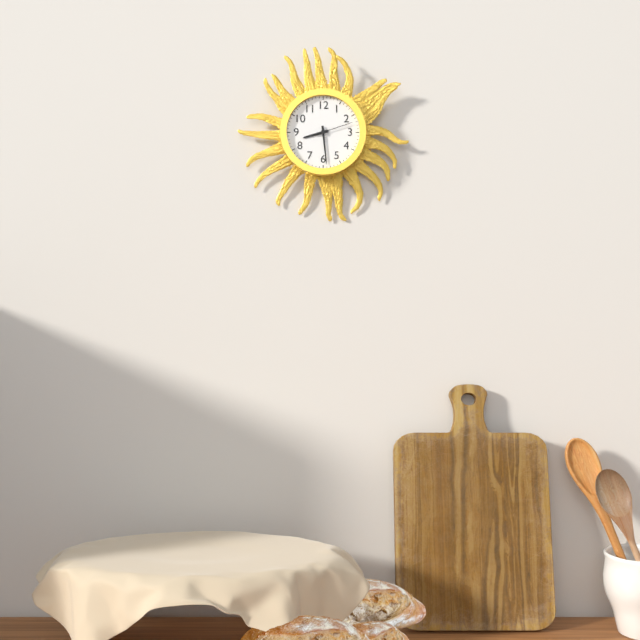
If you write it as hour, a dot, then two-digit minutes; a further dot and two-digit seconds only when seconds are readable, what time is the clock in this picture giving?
8.29
